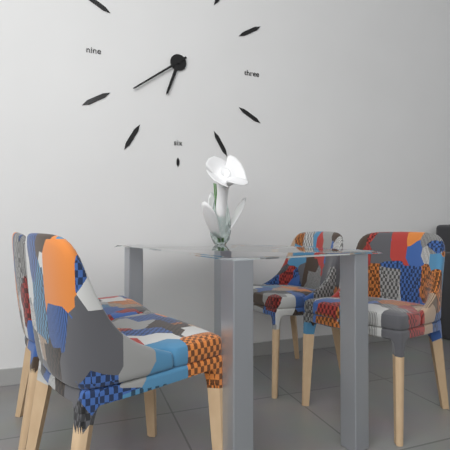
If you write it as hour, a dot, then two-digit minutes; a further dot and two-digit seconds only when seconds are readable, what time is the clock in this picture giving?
6.39
